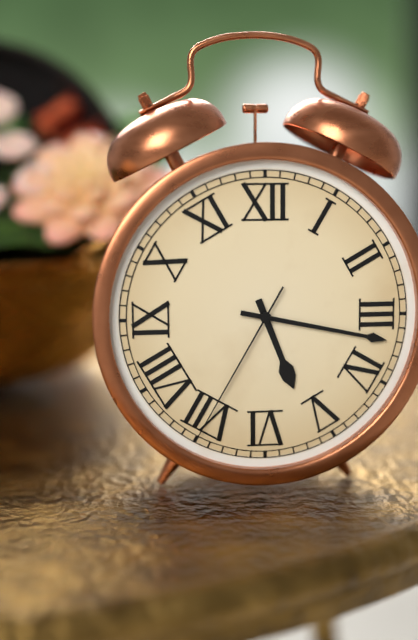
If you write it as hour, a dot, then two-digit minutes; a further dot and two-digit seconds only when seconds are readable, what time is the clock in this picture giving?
5.17.35
